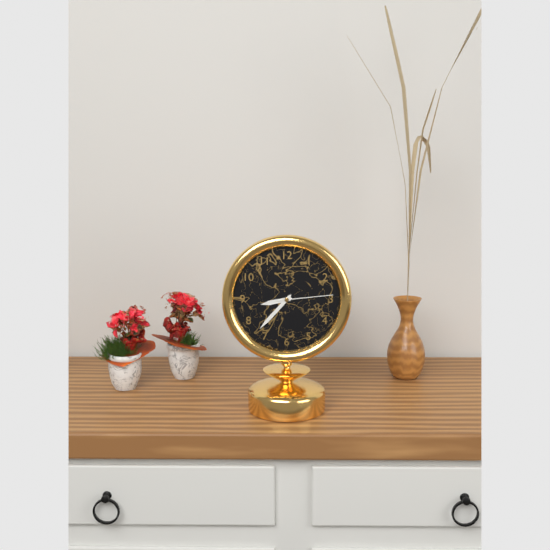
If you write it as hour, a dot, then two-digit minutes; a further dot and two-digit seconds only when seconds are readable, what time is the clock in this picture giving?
8.37.14
